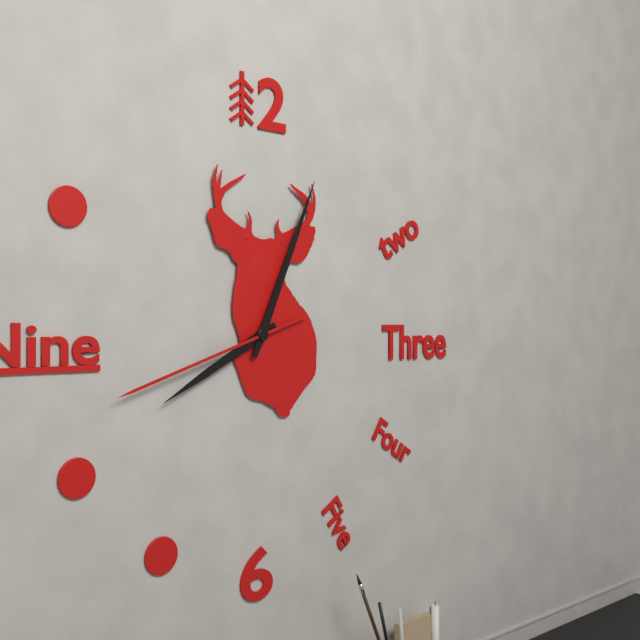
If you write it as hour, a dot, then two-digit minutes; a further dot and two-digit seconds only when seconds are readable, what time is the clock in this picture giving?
8.04.42
